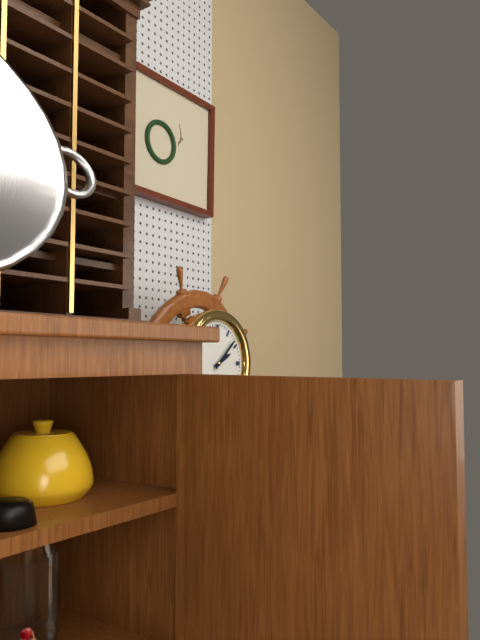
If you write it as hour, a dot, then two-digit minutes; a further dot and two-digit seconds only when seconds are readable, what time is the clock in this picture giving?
2.08
